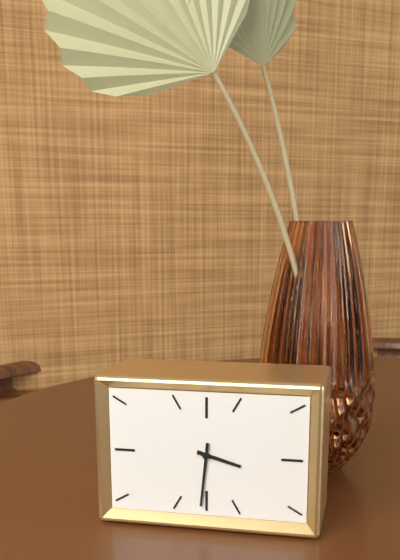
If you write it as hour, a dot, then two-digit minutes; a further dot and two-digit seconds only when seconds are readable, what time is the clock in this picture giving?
3.31
